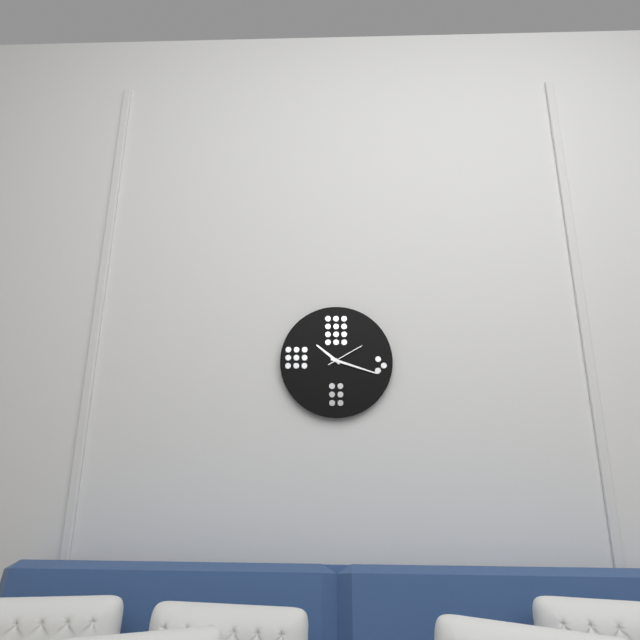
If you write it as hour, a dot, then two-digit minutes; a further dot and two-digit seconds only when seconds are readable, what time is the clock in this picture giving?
10.18
